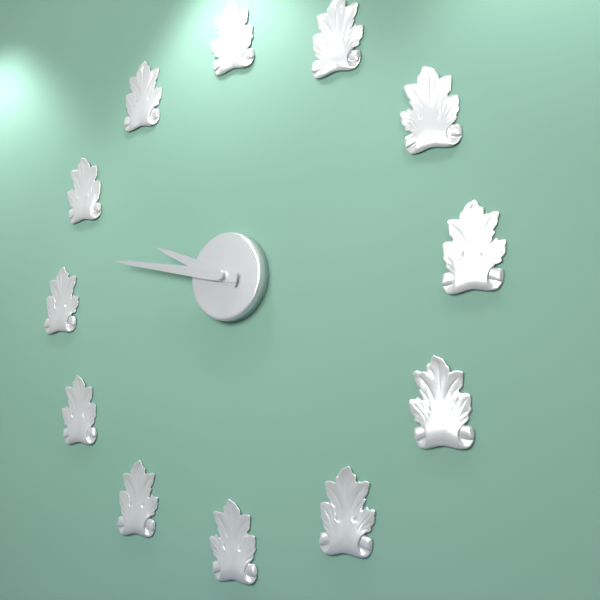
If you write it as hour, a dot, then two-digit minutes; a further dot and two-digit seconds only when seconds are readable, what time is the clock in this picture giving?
9.47
